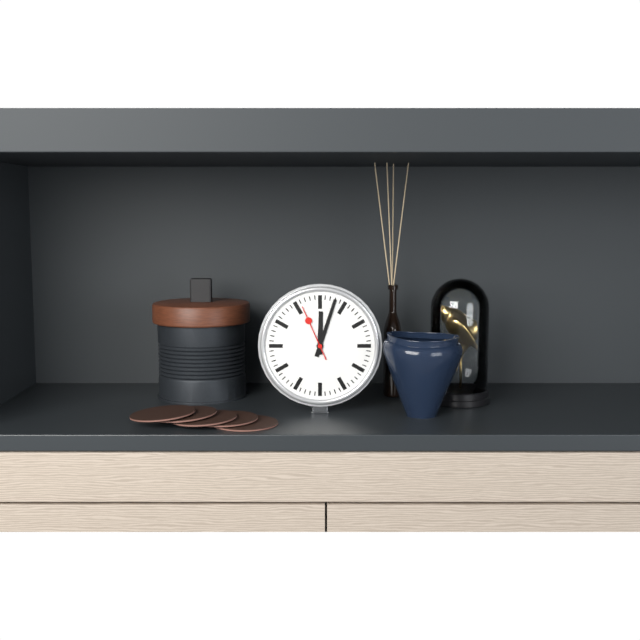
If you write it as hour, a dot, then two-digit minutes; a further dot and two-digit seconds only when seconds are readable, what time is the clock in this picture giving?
12.03.56
